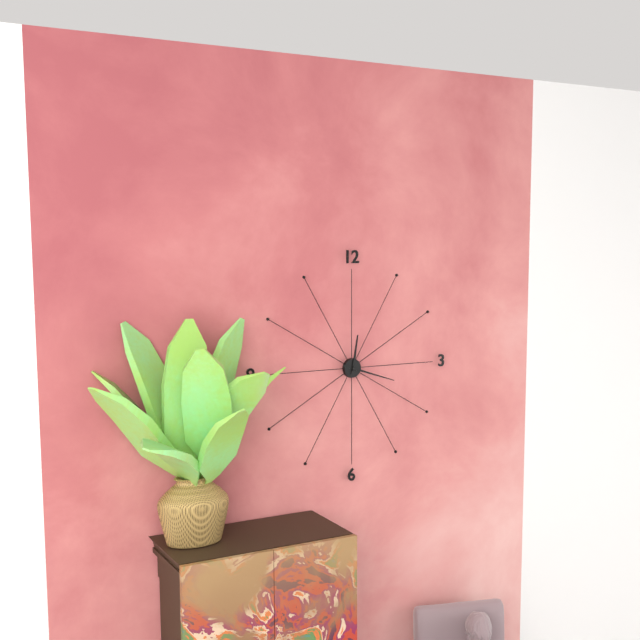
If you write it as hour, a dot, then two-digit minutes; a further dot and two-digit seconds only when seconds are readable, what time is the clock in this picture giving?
12.18
